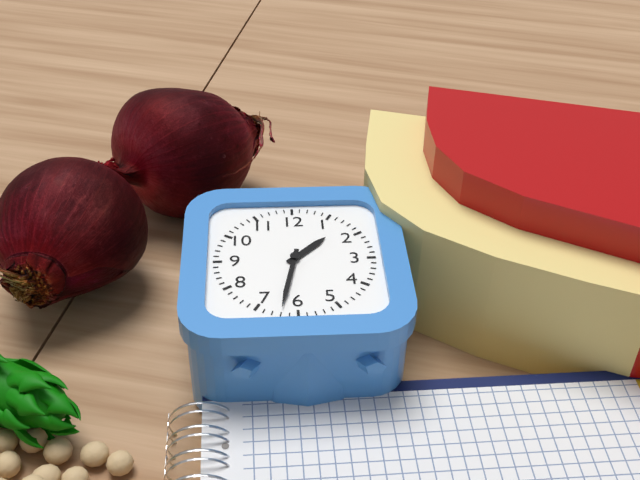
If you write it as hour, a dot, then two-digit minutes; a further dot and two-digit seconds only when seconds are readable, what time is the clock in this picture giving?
1.32
